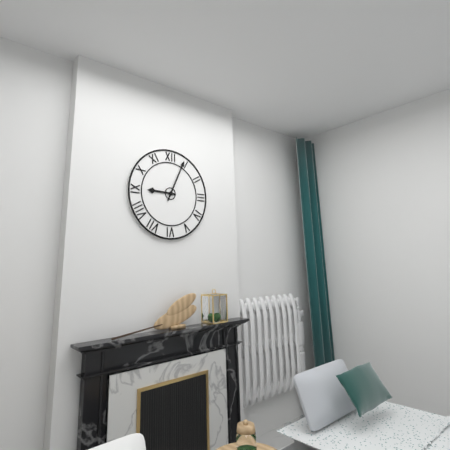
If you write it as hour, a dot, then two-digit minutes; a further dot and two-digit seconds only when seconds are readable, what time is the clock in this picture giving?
9.04
